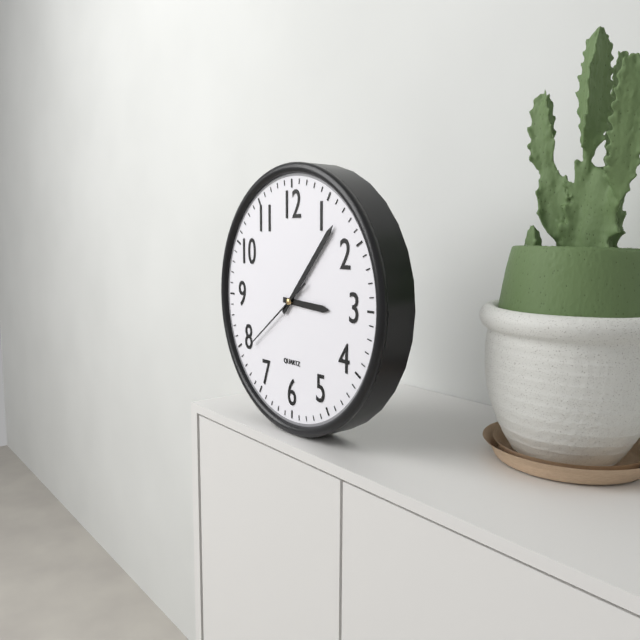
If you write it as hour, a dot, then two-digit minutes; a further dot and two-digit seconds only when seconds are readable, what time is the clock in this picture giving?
3.07.39
